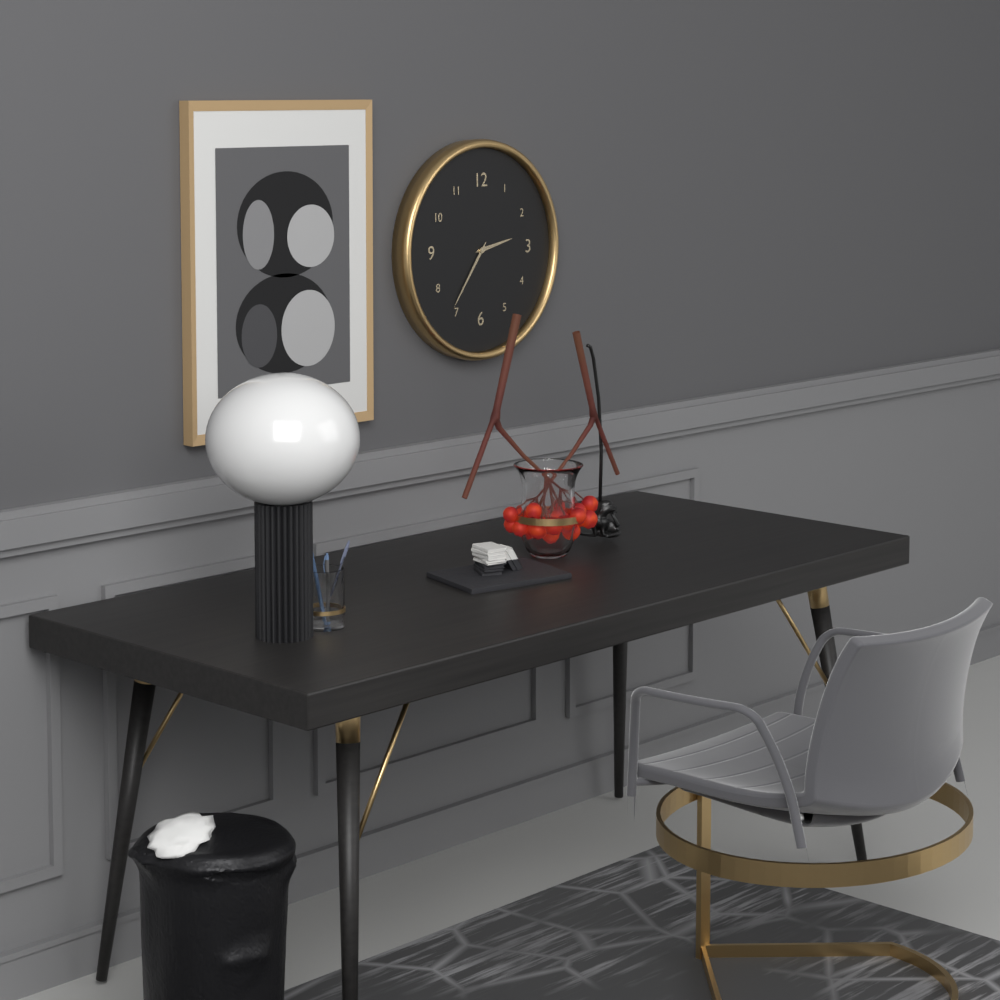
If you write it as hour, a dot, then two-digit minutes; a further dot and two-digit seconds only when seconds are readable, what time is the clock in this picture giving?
2.36
